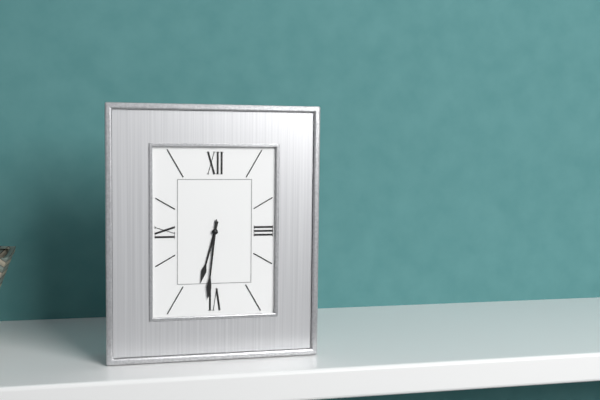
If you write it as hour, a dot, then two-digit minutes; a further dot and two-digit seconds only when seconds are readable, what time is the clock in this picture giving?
6.31
